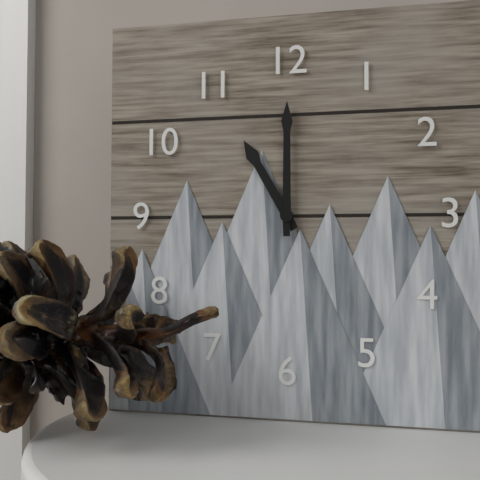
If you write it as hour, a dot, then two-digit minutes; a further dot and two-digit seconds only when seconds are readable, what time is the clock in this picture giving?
11.00
